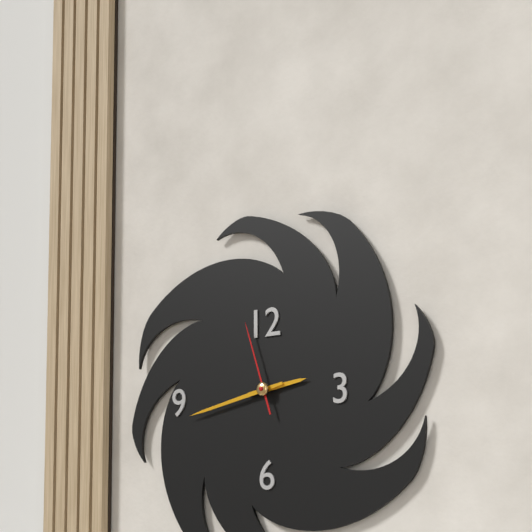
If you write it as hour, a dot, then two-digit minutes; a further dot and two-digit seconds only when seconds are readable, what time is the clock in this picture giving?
2.43.57
